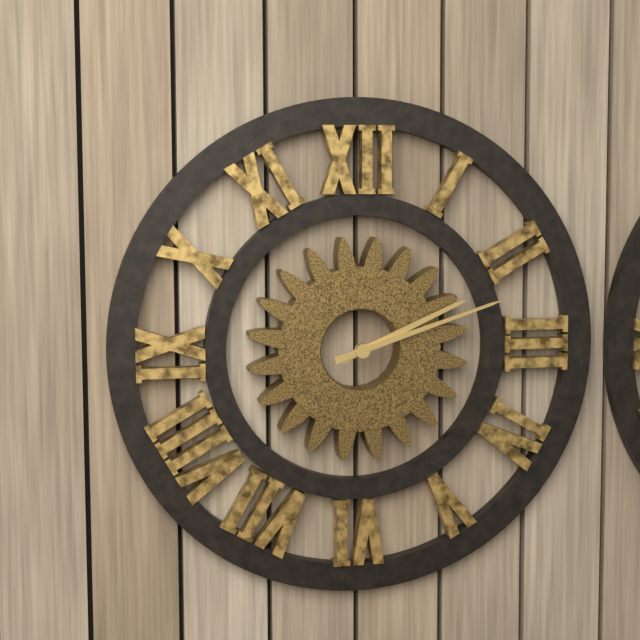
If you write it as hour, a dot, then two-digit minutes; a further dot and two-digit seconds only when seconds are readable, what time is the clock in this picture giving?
2.12
